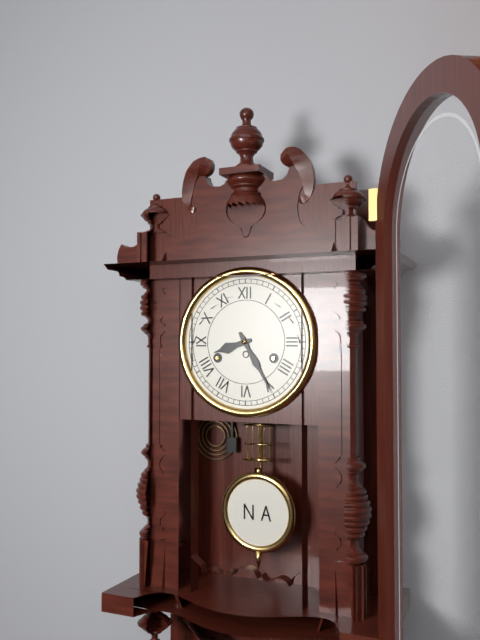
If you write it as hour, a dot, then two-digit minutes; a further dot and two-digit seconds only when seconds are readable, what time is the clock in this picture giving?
8.25
